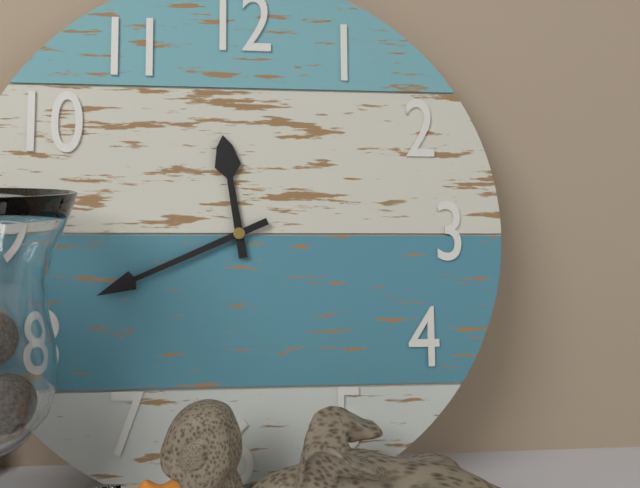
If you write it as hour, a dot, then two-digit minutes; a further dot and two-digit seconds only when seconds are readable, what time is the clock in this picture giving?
11.41
